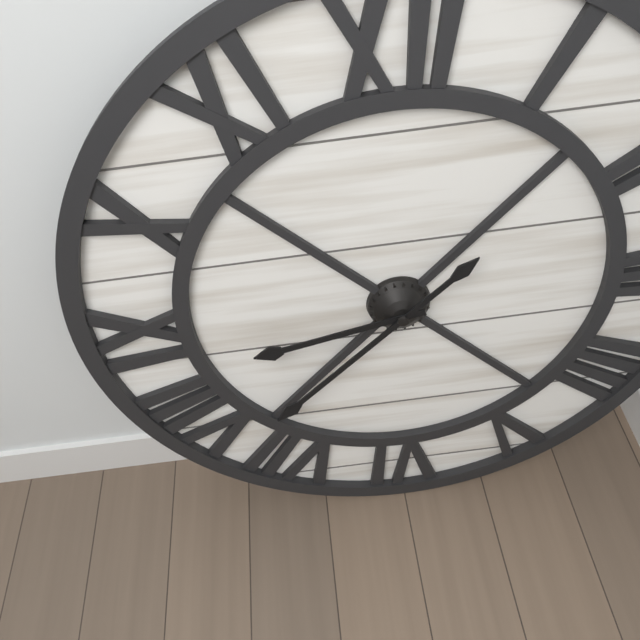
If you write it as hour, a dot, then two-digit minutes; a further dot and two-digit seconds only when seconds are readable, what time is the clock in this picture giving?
8.38
